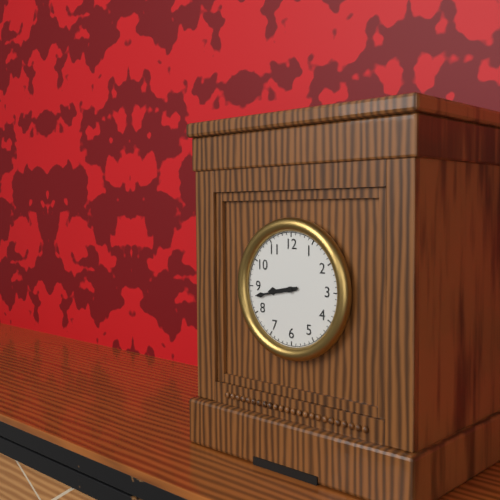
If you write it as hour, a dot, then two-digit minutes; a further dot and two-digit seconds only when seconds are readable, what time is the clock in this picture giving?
8.43
